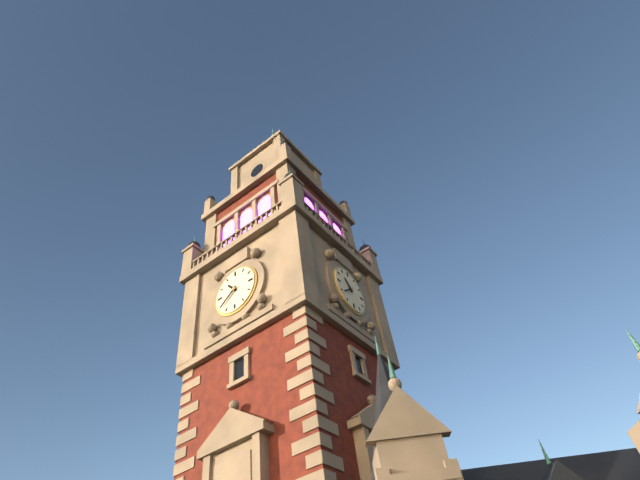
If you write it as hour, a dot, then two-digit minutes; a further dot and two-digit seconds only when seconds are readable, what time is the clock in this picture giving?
10.39
